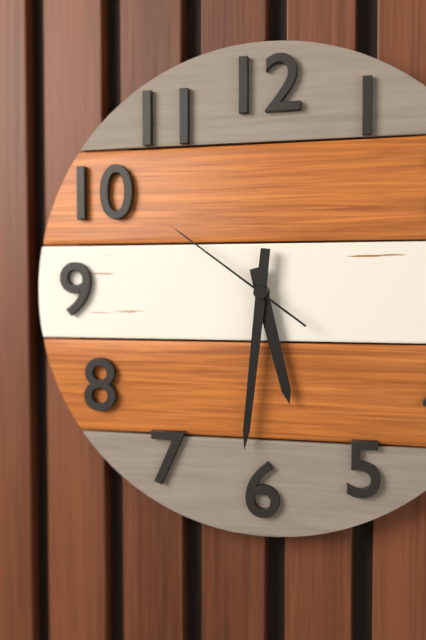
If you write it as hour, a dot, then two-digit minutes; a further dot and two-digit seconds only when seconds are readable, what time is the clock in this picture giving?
5.31.51
